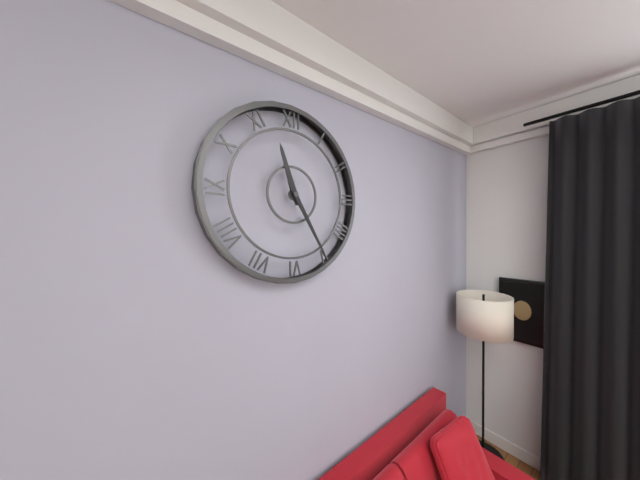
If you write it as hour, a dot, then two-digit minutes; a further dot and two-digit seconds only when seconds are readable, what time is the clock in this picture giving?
11.25
